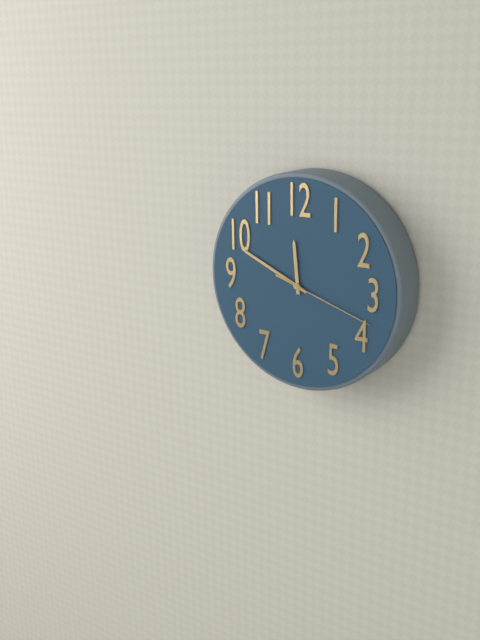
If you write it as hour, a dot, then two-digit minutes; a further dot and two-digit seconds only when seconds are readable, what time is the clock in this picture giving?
11.49.18
